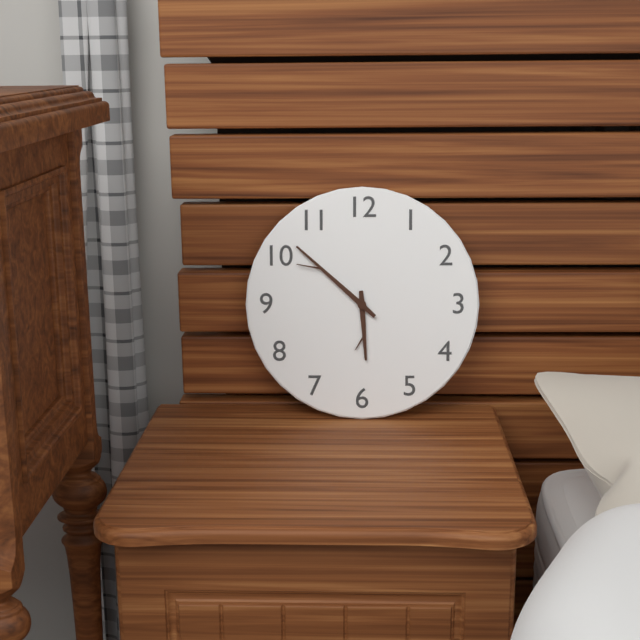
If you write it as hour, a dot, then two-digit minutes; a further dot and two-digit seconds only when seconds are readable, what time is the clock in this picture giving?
5.52
